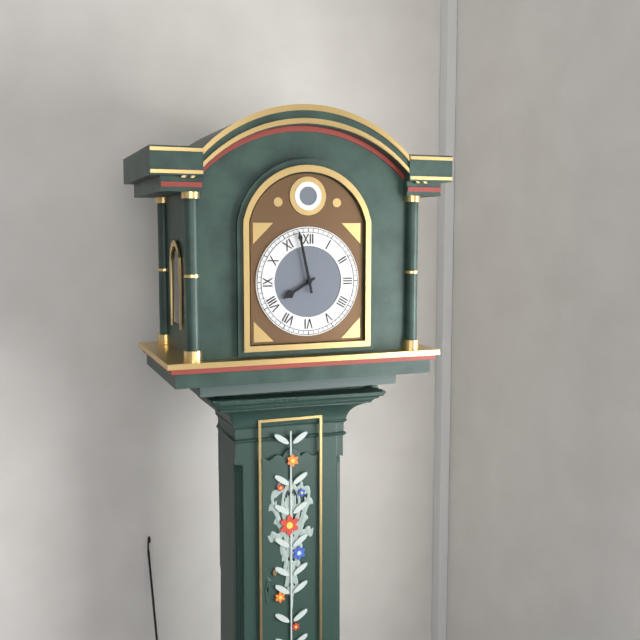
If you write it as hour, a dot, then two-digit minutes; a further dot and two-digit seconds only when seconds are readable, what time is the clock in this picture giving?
7.58
